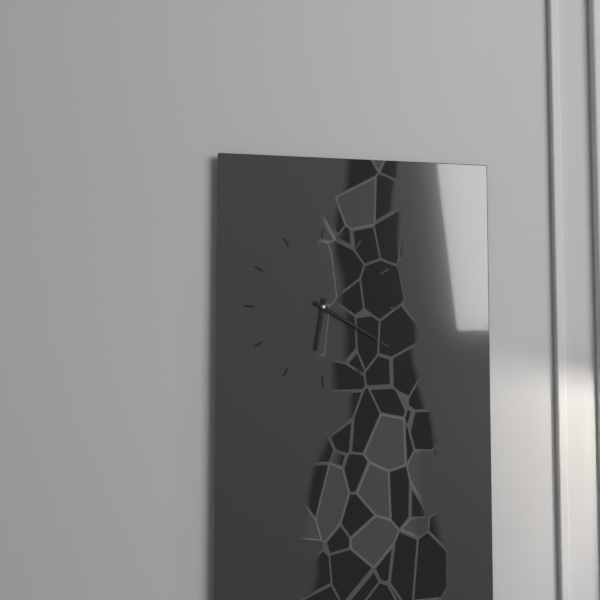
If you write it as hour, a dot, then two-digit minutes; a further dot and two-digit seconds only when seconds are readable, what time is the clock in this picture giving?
6.20
